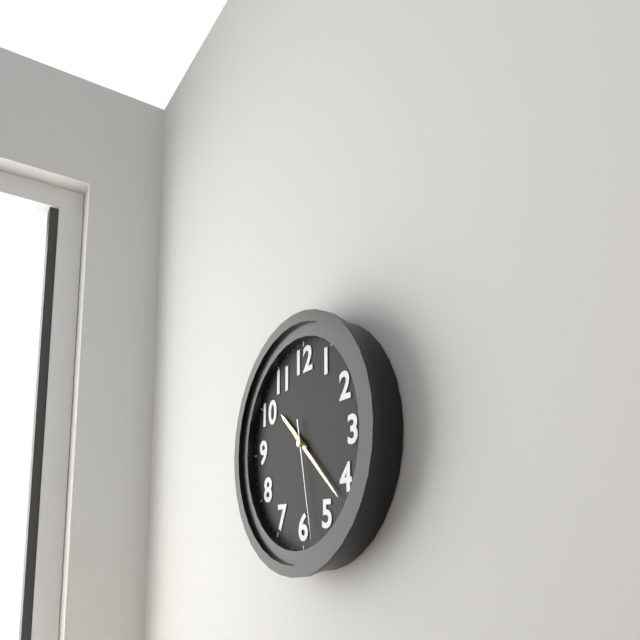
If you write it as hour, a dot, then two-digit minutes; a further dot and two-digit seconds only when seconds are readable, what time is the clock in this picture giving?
10.22.28
